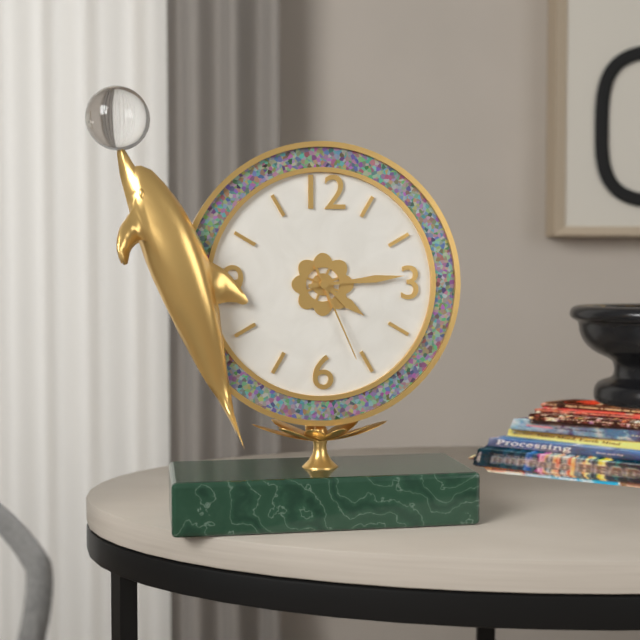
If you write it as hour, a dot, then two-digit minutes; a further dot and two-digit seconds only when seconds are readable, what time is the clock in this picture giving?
4.14.26
